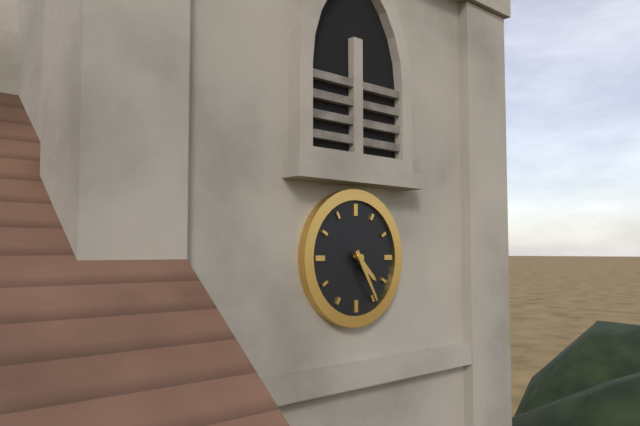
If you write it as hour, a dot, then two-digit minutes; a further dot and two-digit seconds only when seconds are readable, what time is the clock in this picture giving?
4.25
